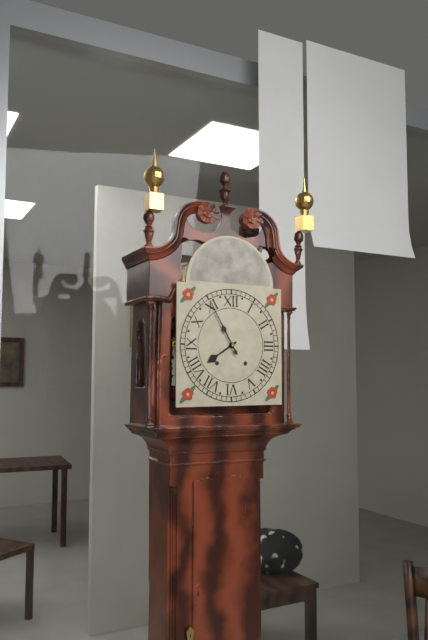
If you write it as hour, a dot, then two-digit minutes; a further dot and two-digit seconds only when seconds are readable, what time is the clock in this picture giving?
7.55
